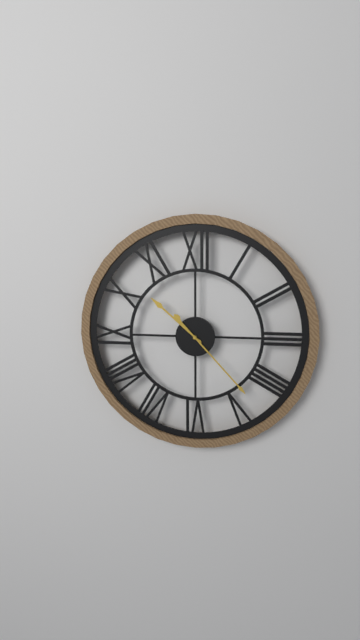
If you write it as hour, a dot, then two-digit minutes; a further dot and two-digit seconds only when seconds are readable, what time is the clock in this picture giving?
10.23
